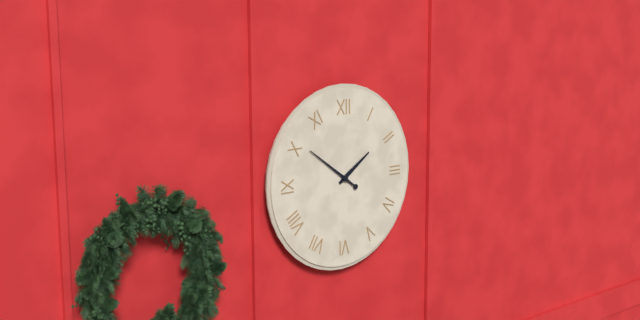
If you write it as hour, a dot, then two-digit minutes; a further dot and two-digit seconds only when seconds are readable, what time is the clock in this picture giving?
1.51
